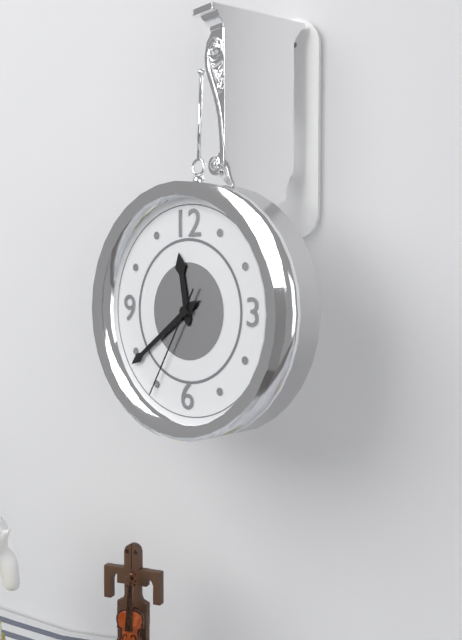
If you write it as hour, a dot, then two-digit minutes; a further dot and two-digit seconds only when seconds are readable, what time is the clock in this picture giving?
11.39.35
